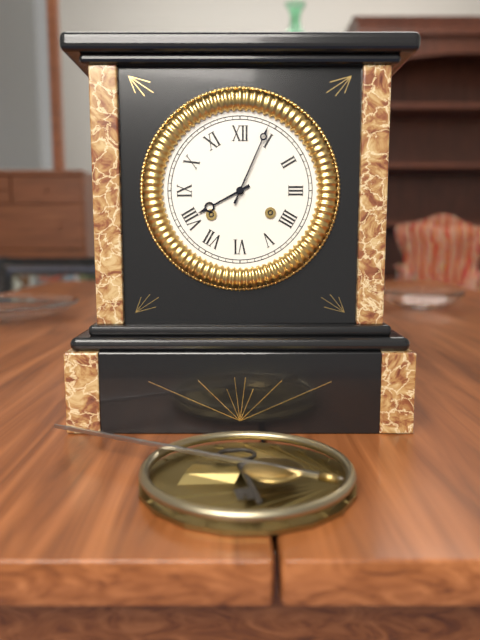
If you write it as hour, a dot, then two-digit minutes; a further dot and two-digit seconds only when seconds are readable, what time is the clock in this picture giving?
8.04
